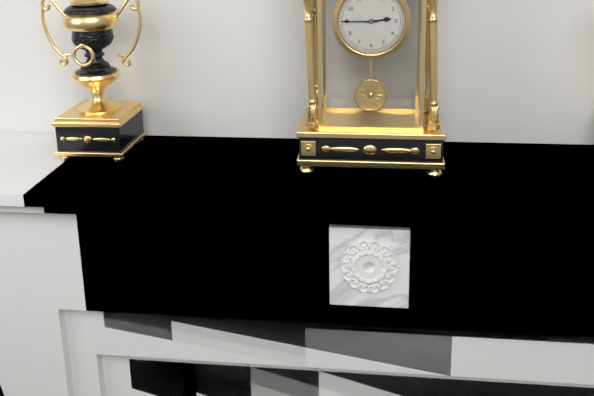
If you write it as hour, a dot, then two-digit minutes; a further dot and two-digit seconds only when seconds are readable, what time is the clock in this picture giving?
2.45
